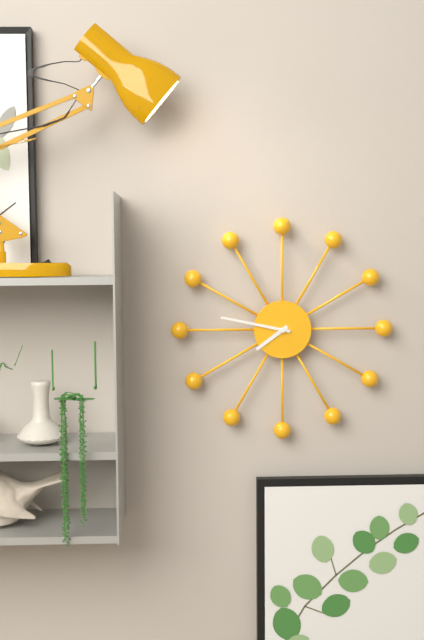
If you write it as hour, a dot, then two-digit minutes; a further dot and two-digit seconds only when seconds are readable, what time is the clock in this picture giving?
7.47
